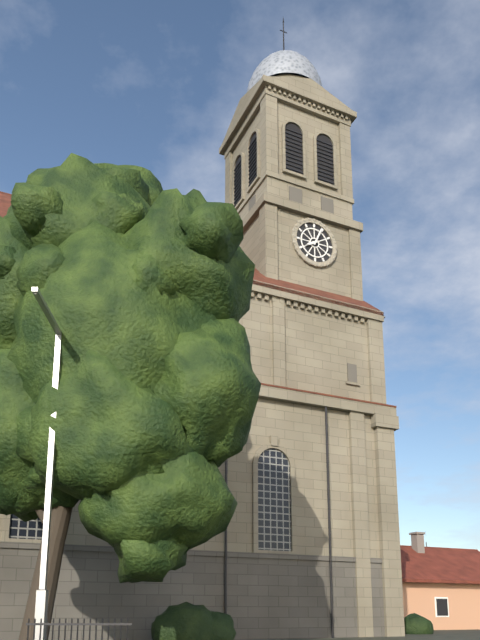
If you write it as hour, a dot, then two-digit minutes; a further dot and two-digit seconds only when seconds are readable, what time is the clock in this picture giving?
8.04
